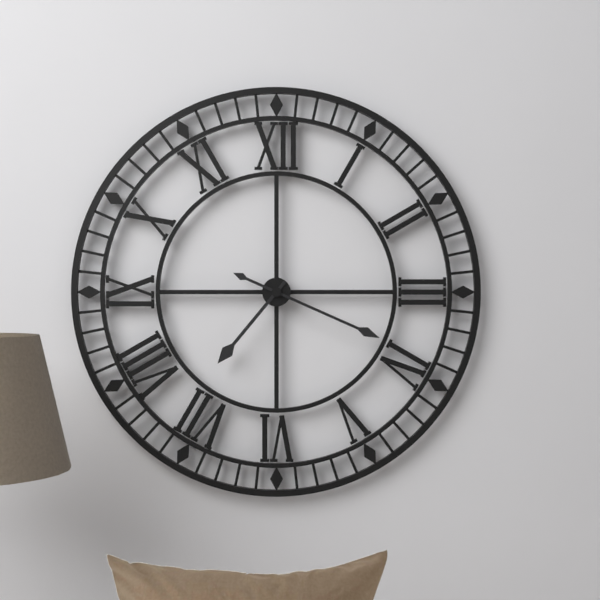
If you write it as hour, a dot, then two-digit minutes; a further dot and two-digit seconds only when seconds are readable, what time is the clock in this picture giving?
7.19
